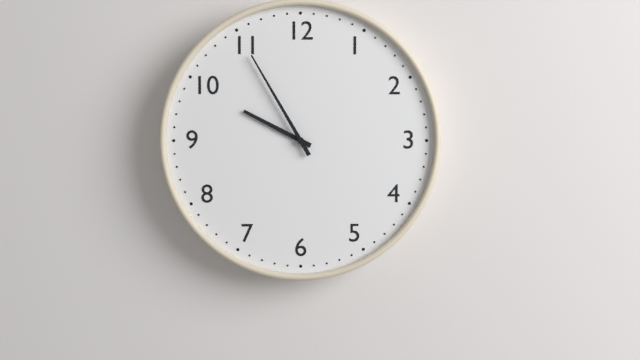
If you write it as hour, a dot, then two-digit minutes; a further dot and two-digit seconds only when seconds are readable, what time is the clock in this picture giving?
9.55
